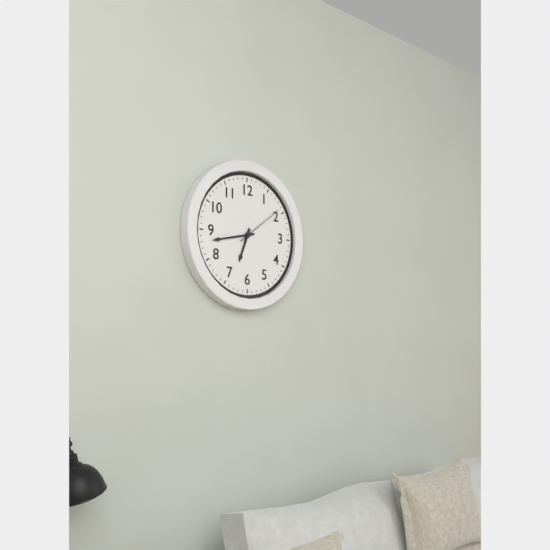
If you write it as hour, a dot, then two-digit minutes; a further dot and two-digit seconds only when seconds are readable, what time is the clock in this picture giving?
6.43.09
